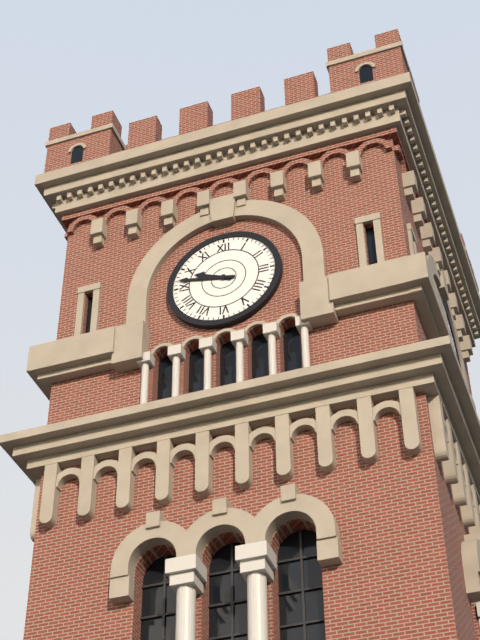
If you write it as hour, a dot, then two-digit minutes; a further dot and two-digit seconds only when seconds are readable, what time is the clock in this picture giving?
9.47
